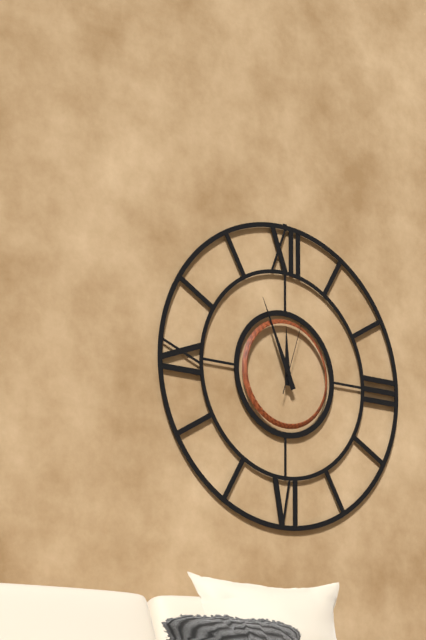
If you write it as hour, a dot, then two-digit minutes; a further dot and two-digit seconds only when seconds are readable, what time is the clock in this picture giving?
11.56.03
